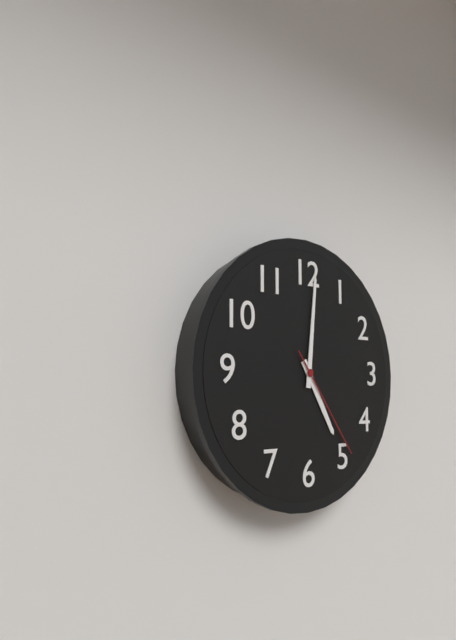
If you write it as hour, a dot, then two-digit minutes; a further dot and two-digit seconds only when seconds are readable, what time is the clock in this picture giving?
5.01.24
